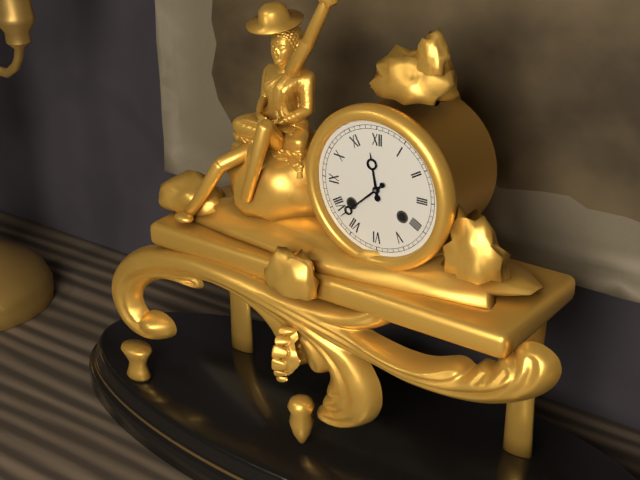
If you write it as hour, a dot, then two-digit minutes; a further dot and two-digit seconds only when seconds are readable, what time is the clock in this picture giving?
11.38
